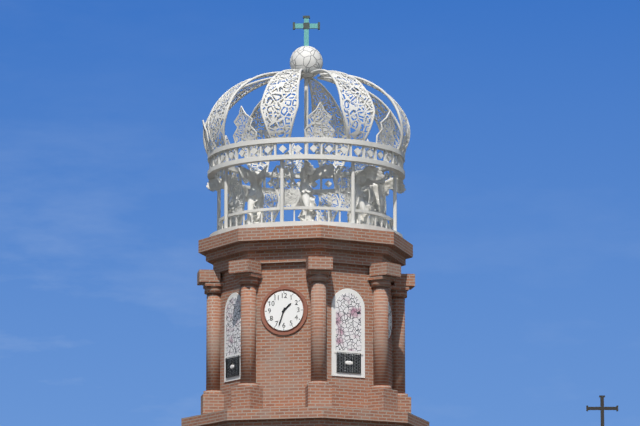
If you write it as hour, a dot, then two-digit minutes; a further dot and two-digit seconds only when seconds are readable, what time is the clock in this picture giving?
1.33
